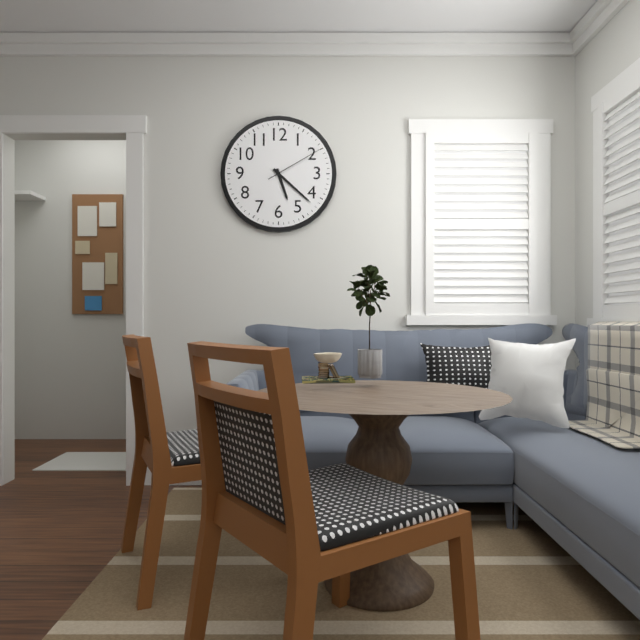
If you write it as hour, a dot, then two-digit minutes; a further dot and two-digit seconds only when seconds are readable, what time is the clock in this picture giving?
5.22.10
